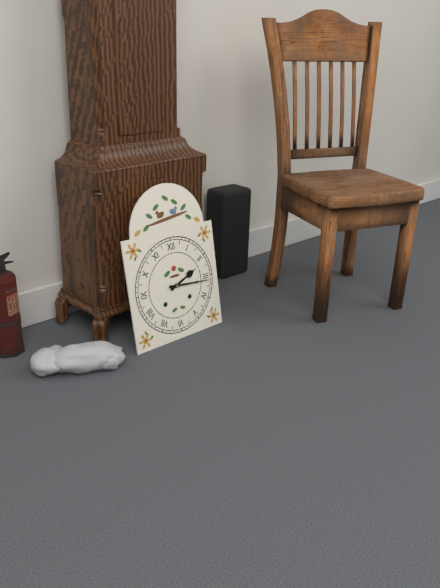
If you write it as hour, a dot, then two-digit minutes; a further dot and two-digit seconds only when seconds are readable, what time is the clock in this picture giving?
2.16
